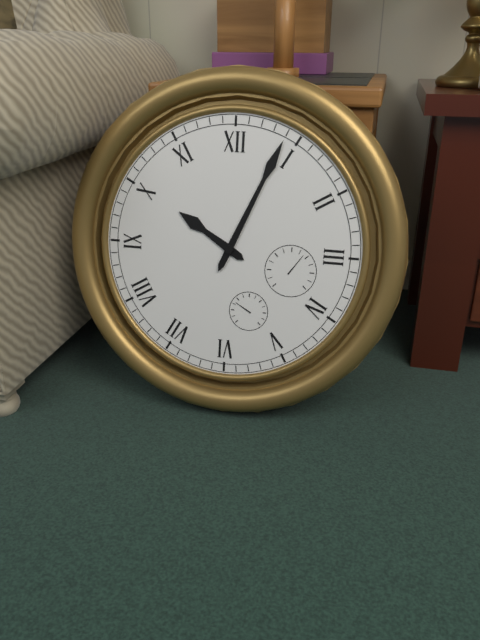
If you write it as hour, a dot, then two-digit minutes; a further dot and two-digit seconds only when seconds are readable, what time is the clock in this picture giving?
10.04
